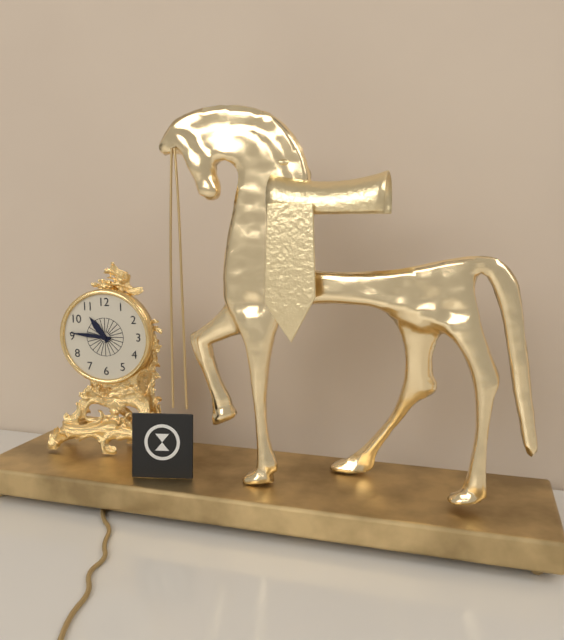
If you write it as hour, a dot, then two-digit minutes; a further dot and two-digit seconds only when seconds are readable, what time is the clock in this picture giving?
10.46
